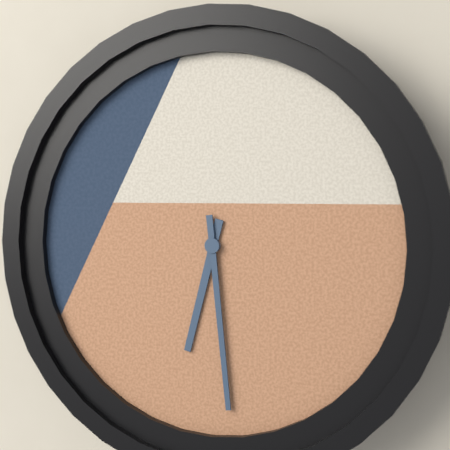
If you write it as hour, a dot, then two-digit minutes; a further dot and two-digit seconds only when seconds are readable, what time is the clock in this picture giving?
6.29
